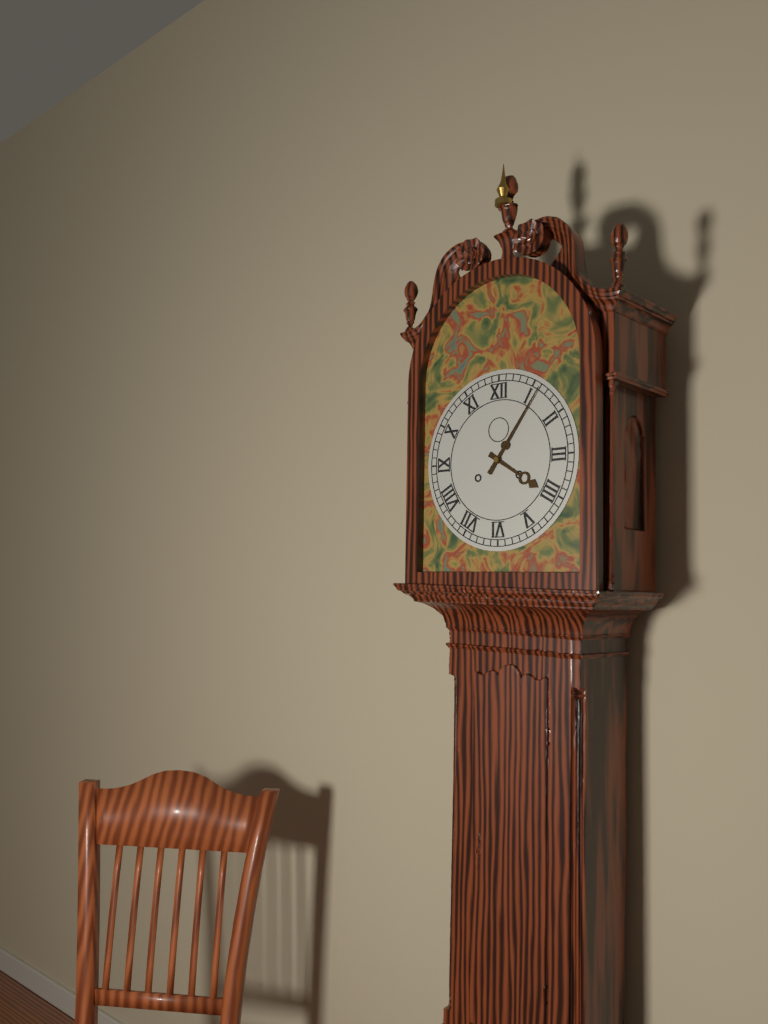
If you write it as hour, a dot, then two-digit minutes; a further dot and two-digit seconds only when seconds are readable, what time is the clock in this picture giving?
4.06
